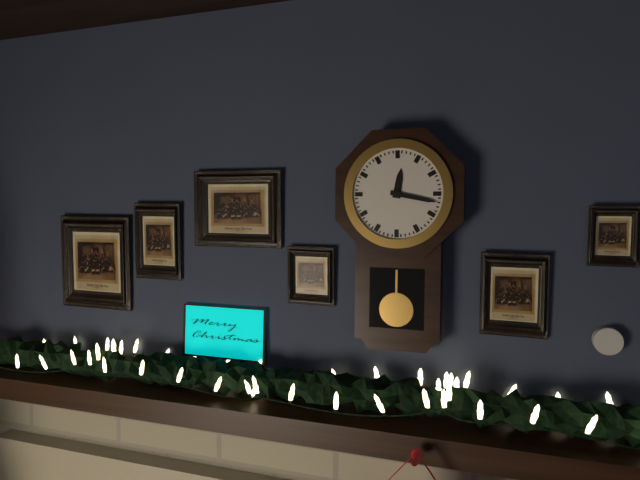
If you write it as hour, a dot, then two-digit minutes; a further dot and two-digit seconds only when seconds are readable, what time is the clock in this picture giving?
12.17
